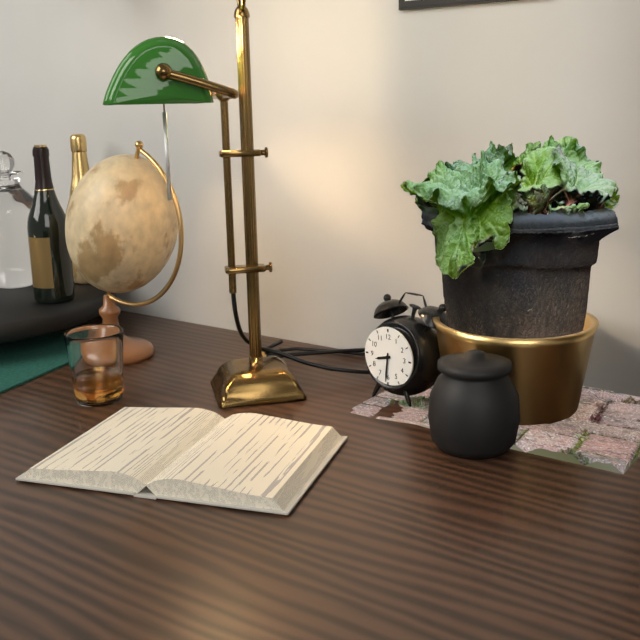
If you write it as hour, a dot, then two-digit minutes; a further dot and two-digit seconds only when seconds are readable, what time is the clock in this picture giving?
8.31
